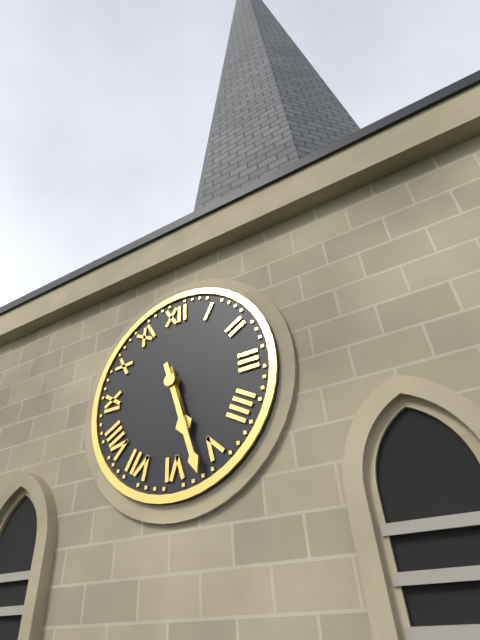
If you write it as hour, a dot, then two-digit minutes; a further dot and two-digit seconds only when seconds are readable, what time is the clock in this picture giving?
5.27
